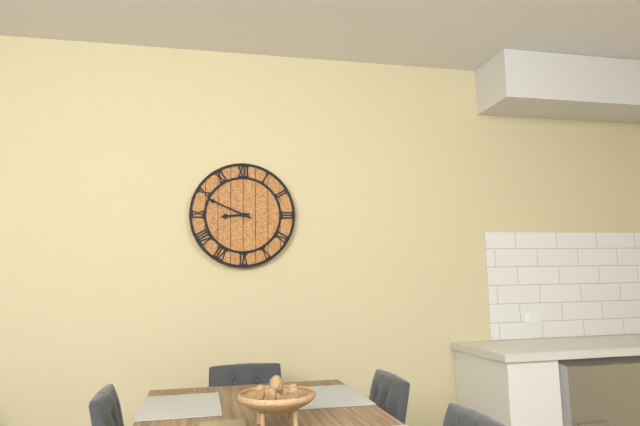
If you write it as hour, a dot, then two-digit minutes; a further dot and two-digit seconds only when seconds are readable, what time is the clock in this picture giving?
8.49
